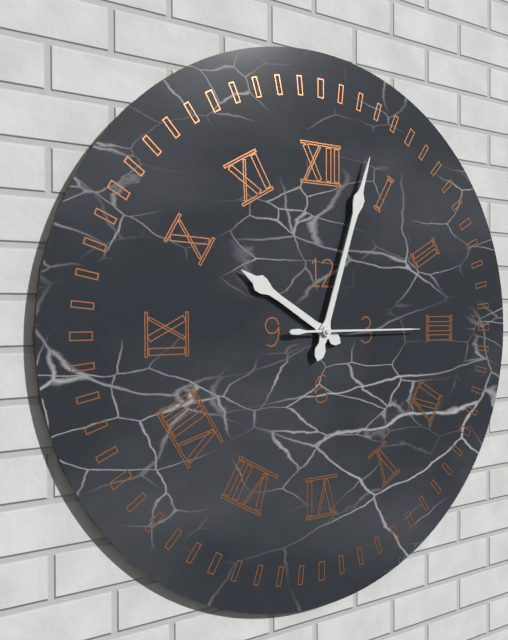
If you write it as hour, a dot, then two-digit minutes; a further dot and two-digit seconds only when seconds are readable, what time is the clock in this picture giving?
10.03.15
